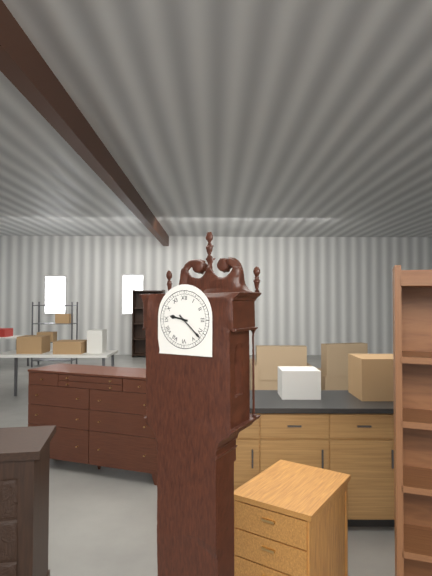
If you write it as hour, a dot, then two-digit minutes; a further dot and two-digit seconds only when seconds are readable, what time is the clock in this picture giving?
9.22
